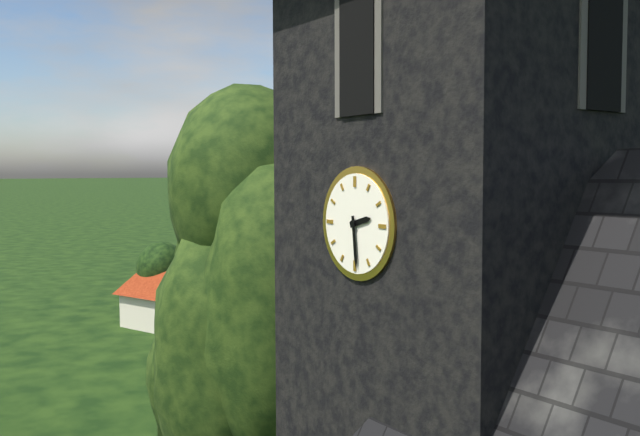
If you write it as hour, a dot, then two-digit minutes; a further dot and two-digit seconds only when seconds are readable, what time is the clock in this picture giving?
2.29
